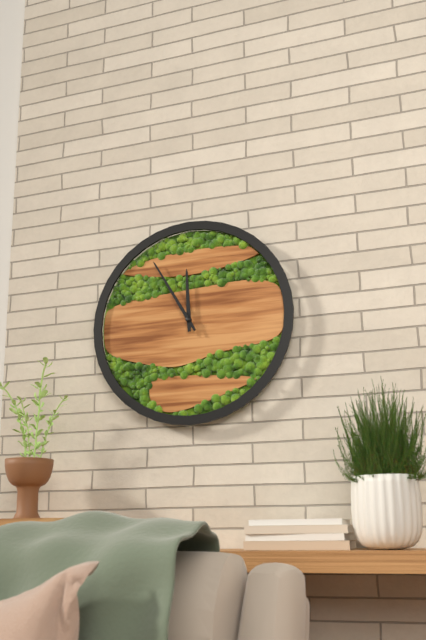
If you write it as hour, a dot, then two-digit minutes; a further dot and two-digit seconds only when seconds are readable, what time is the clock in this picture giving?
11.55
